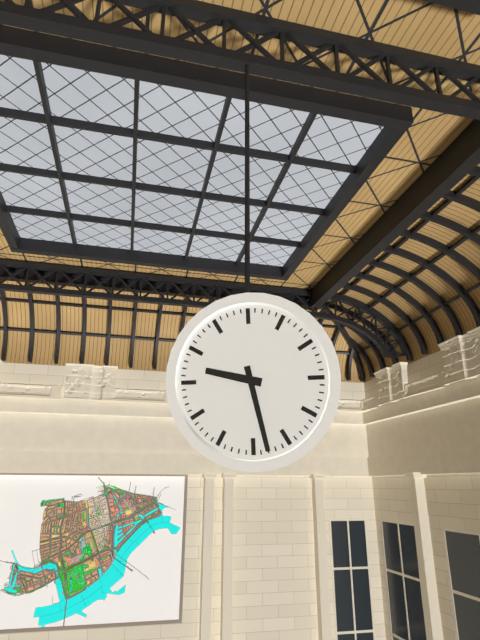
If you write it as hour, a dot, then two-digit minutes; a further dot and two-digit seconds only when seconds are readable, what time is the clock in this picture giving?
9.28
